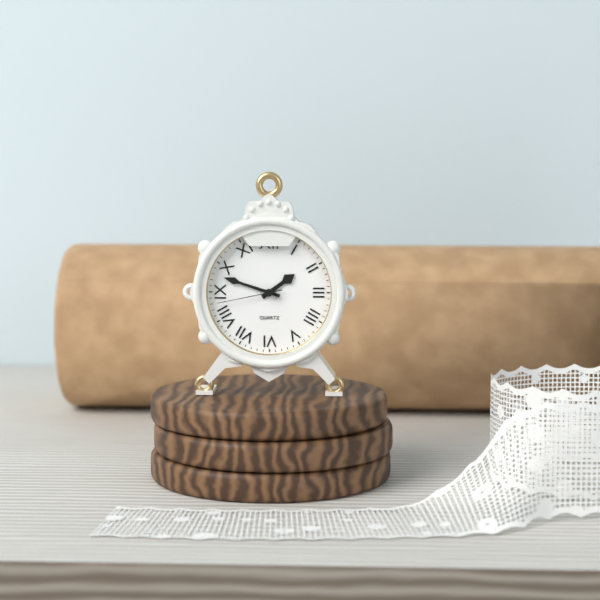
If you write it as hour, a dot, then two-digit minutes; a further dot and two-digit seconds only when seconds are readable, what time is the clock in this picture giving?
1.48.43
